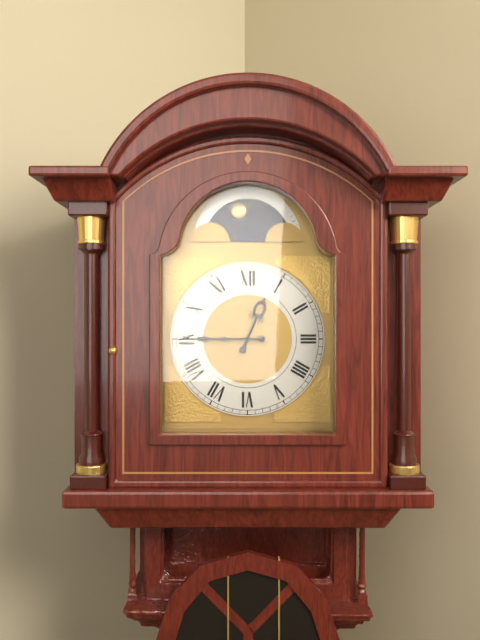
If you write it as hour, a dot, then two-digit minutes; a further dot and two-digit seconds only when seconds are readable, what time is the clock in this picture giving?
12.45
